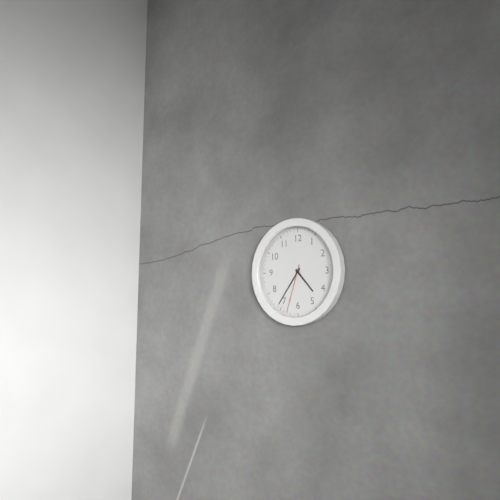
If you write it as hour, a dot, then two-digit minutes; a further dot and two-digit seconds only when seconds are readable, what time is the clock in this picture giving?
4.36.33
